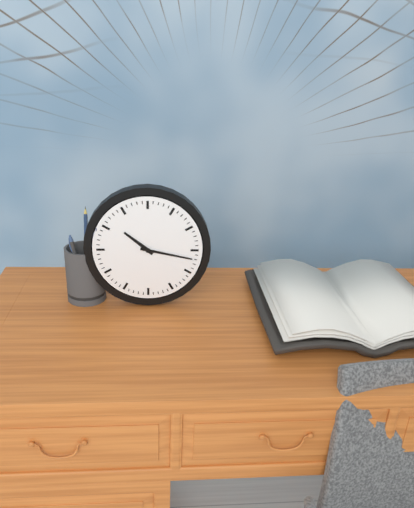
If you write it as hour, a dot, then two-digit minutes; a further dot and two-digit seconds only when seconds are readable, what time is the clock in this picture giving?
10.17
